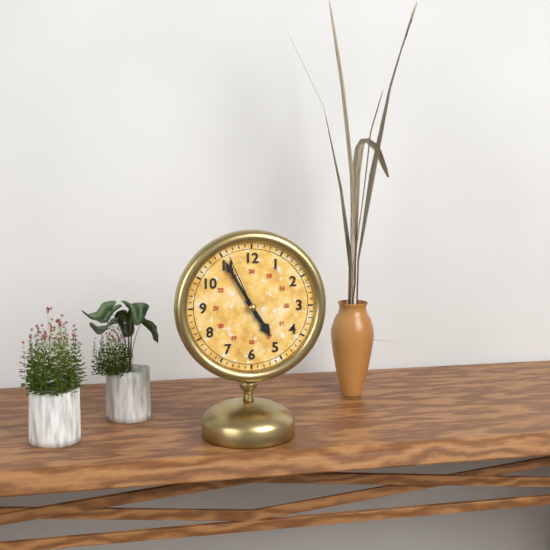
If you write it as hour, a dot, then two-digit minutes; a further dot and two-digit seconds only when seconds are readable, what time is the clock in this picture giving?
4.55.56
